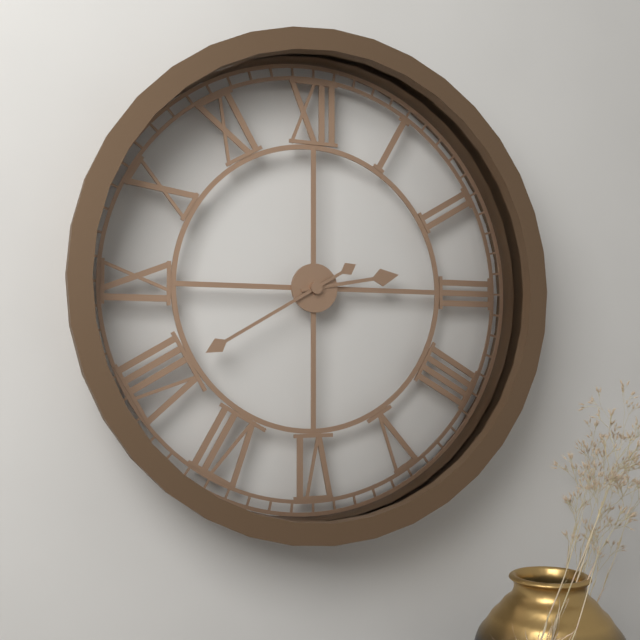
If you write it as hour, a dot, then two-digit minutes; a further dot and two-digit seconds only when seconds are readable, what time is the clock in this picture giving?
2.40
